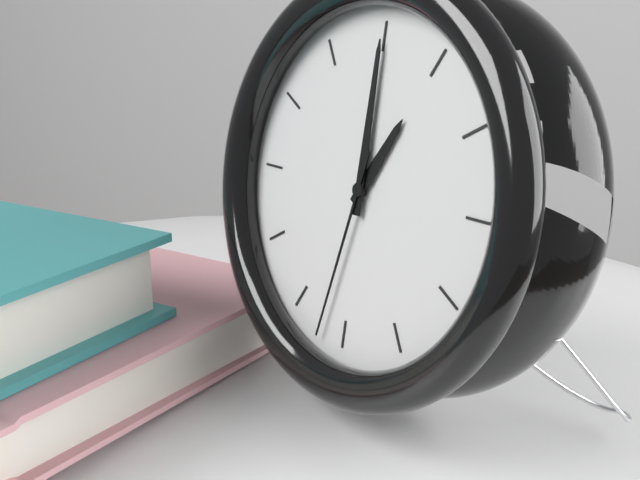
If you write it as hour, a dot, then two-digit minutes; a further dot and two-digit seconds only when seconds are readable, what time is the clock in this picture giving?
1.00.32
